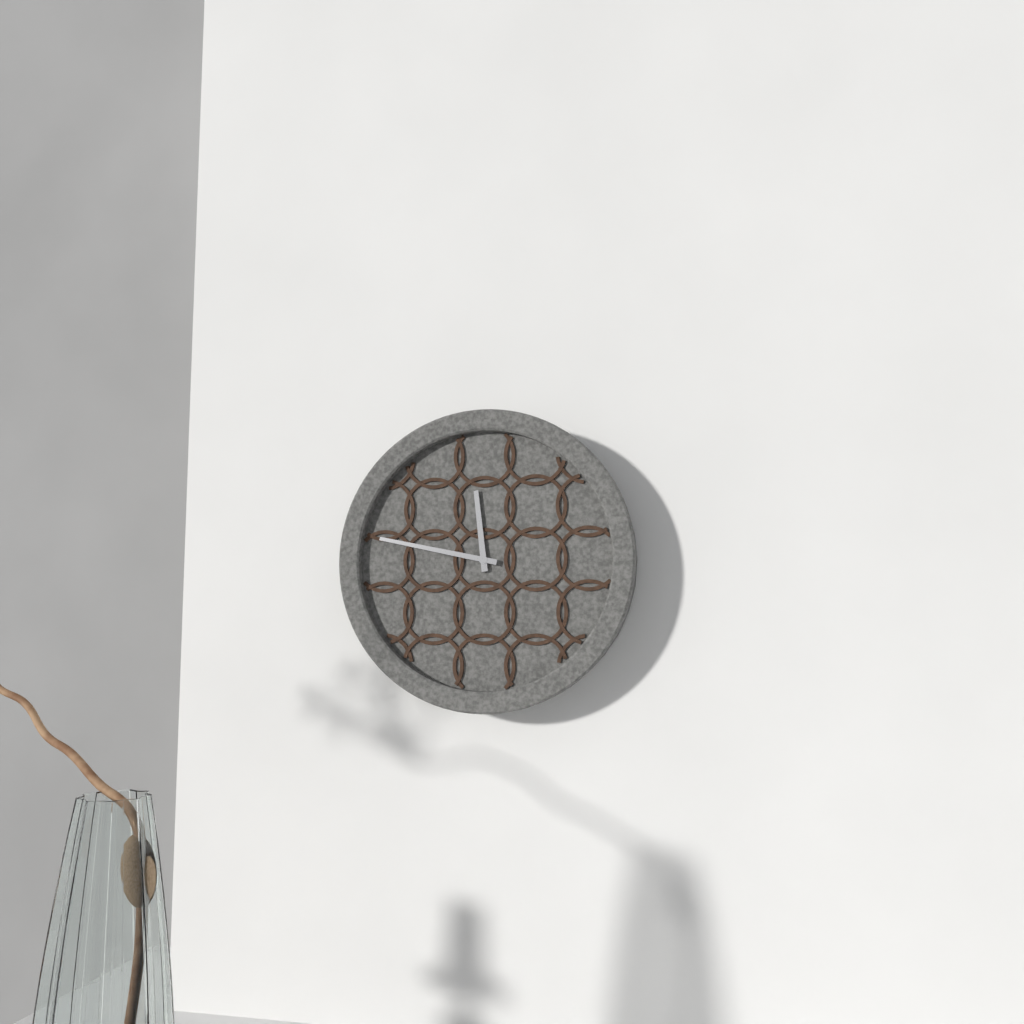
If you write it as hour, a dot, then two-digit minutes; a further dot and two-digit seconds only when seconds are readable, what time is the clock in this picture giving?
11.47
